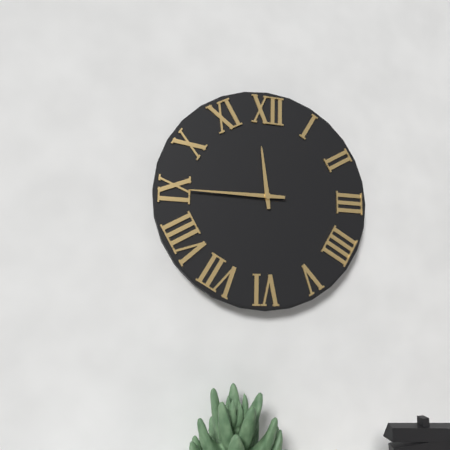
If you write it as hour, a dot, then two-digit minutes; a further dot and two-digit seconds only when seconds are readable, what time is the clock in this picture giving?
11.45
